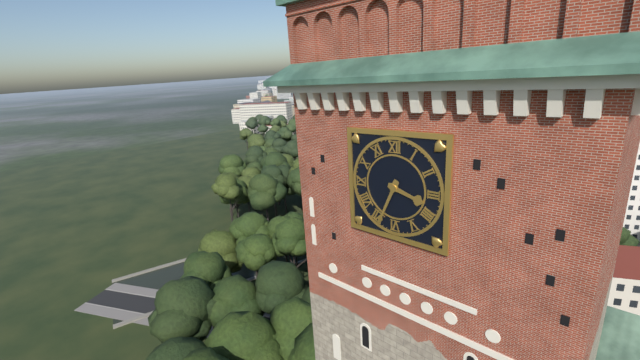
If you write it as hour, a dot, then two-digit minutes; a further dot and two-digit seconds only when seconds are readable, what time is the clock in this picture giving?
3.34
